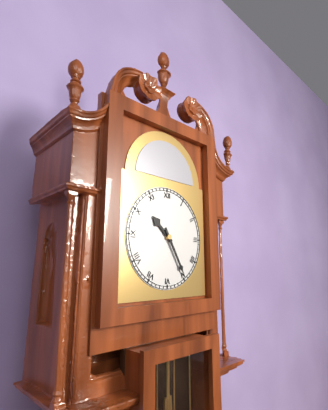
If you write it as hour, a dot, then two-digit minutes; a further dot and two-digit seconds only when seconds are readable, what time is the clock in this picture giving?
10.25
